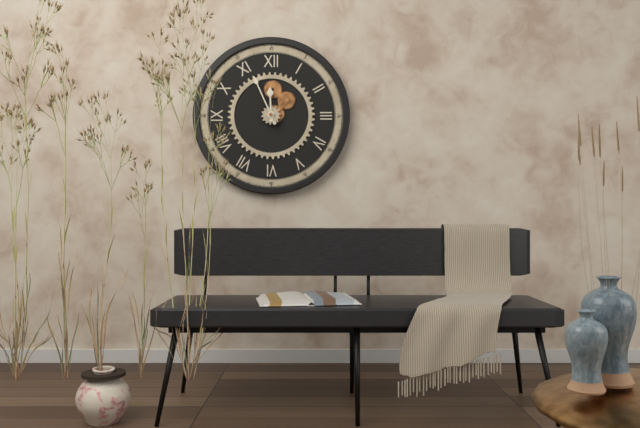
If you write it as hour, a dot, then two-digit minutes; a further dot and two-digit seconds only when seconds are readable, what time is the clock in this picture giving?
11.56
